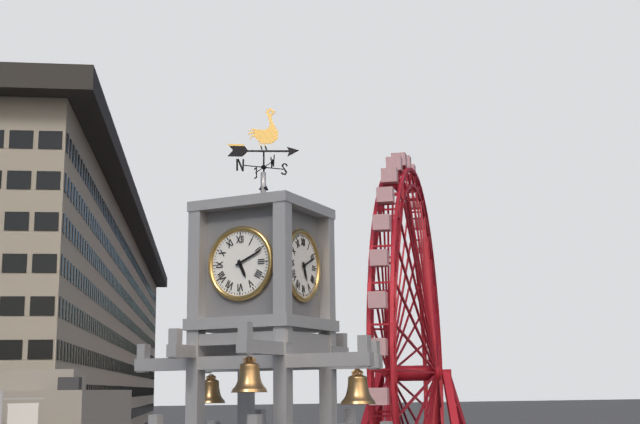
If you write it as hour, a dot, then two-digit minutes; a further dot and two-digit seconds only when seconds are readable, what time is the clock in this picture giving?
5.11
